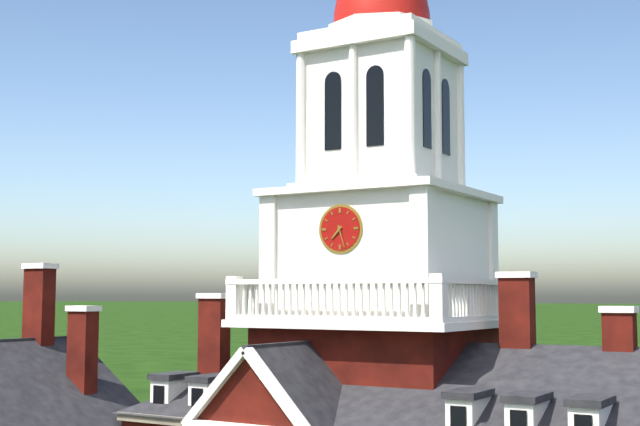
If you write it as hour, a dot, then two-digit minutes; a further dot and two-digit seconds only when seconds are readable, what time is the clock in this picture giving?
7.27
